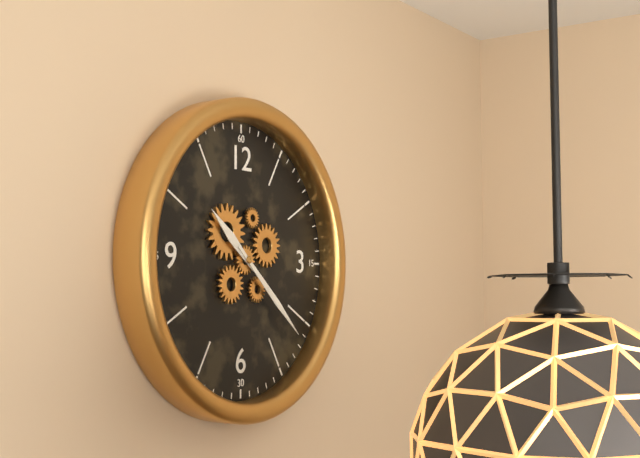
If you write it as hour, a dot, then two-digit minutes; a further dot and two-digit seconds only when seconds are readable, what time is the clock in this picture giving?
10.22
